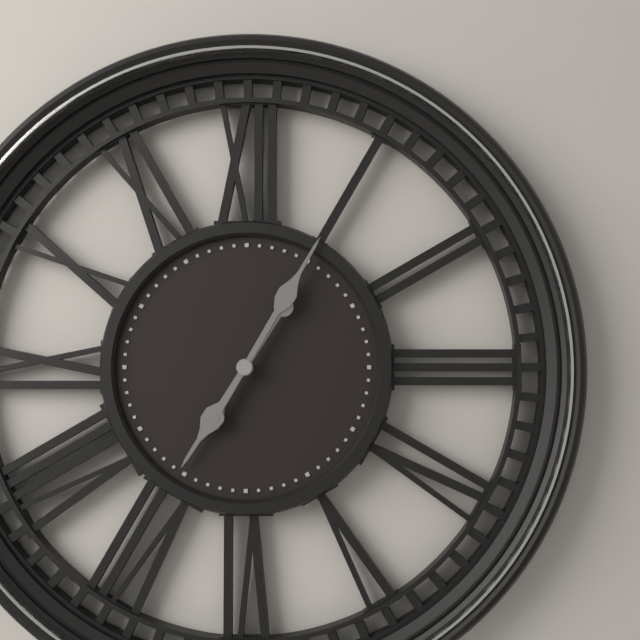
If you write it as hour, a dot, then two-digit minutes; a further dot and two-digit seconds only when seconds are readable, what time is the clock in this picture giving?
7.05
